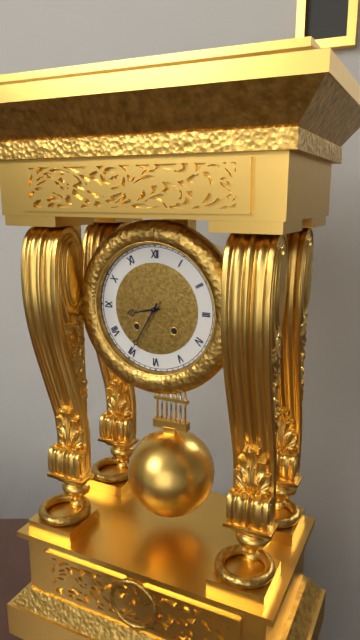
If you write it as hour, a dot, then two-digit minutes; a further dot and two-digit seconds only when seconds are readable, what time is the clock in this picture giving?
8.35
